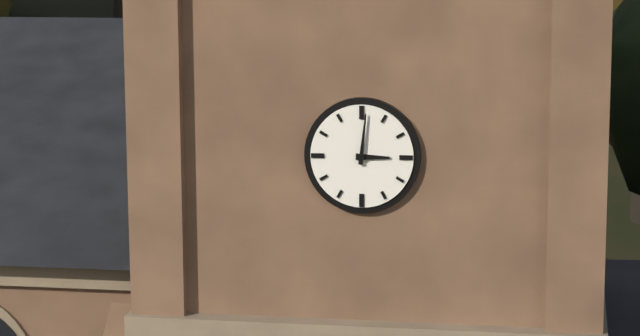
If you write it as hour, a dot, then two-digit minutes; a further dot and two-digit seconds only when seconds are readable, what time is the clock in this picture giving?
3.01
